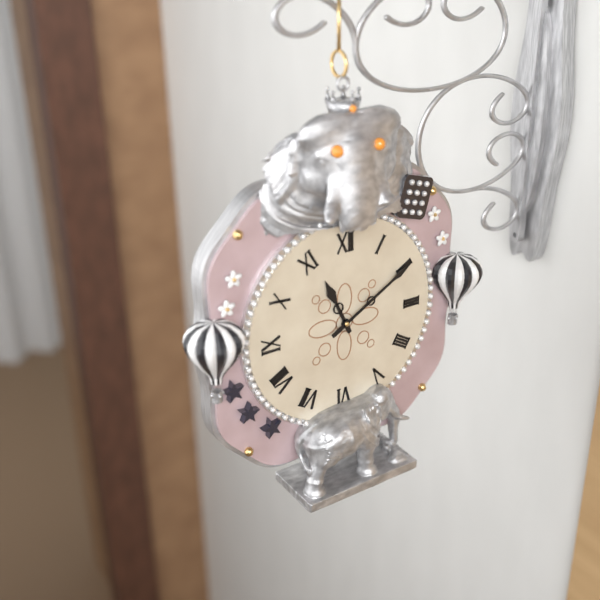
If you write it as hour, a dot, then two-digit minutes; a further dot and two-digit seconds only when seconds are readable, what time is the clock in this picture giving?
11.10
